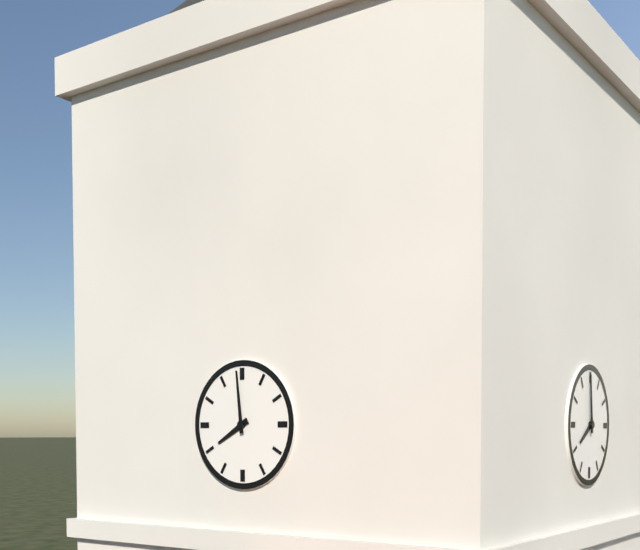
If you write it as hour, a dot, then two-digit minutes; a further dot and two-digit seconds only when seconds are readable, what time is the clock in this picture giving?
7.59
